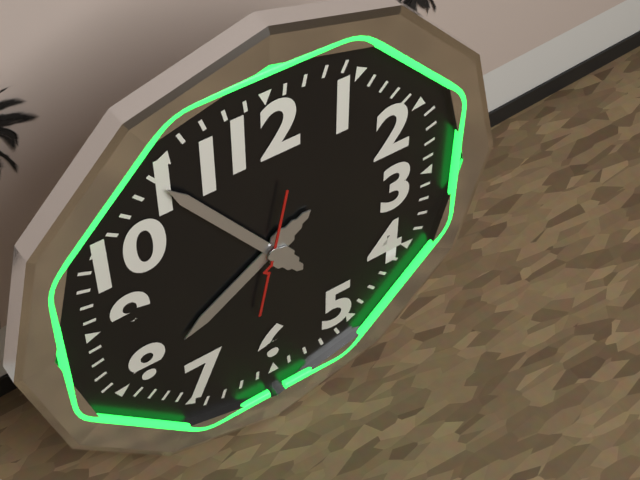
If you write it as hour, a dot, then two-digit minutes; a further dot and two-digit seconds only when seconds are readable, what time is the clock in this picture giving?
7.54.32
